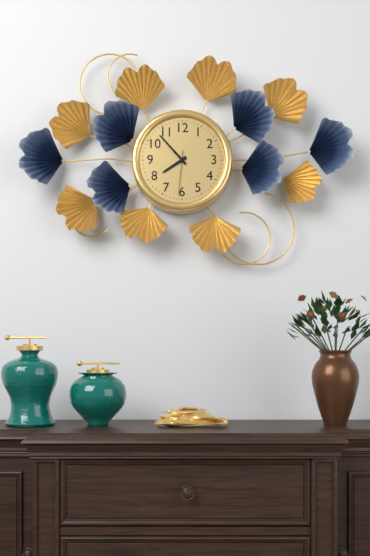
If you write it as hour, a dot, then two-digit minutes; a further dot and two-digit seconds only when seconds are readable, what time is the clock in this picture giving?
7.53
